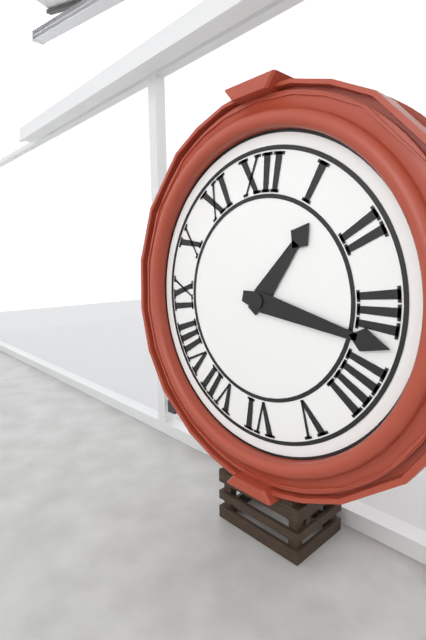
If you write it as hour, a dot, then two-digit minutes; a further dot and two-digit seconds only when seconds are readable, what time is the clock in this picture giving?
1.17
